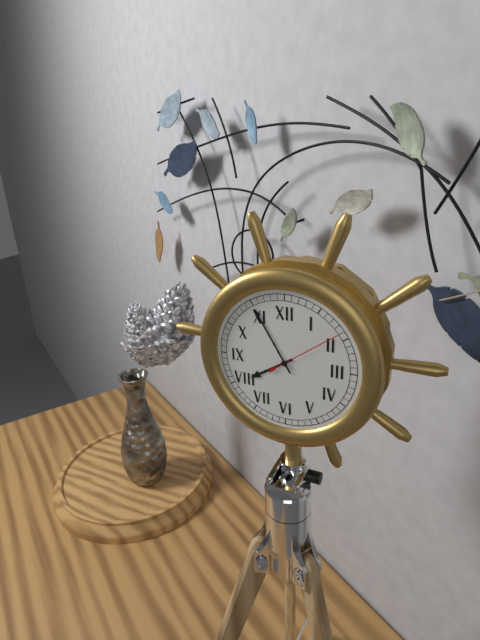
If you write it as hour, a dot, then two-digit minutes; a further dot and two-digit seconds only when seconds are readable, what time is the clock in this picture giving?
7.55.09
